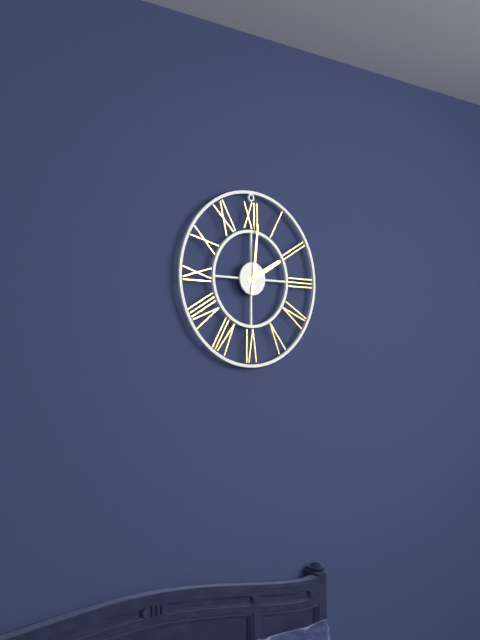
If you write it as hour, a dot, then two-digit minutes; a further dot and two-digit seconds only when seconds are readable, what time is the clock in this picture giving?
2.01
